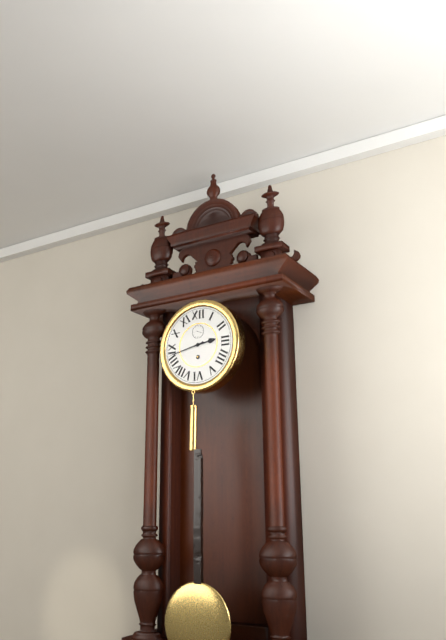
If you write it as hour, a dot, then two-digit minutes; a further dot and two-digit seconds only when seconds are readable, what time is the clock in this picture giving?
2.43
